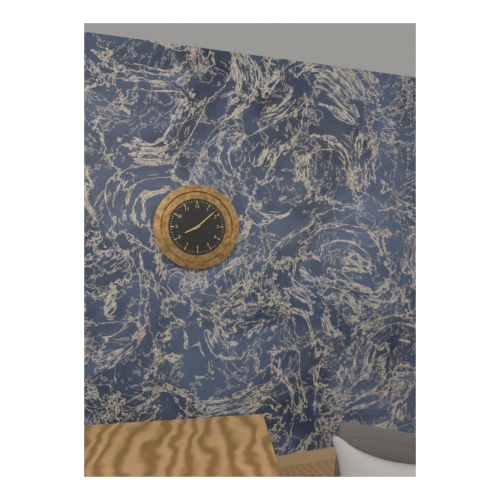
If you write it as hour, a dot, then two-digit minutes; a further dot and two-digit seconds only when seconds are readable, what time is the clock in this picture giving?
8.08
